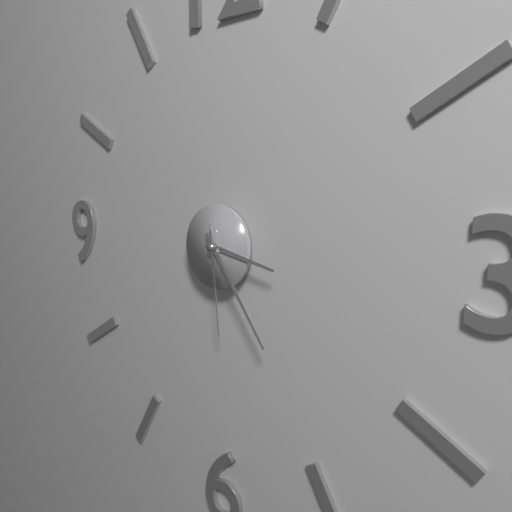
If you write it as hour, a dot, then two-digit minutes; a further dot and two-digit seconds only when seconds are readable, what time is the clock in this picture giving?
3.24.29
